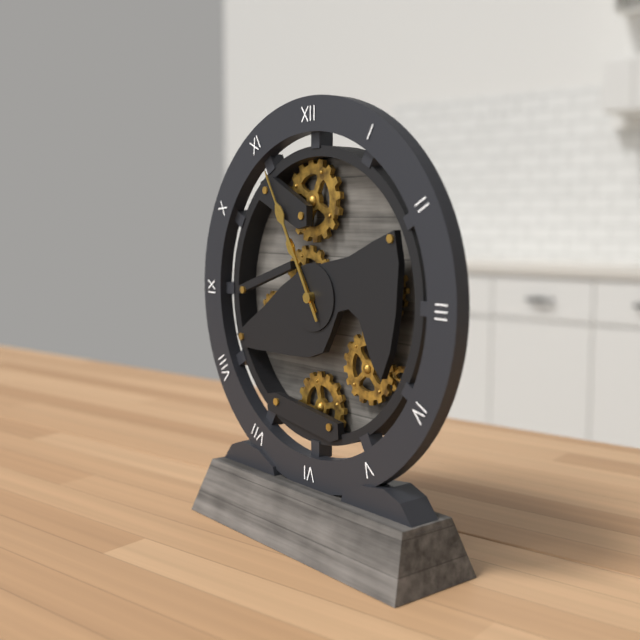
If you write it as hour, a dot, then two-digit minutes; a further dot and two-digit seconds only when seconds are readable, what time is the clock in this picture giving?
10.55
